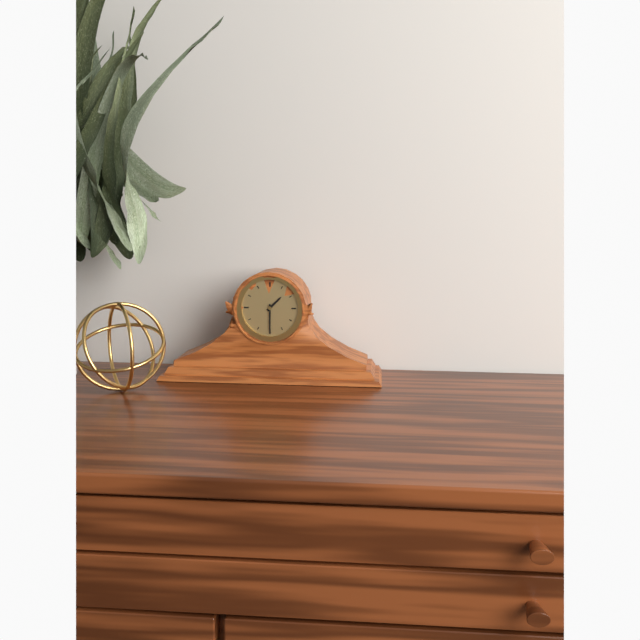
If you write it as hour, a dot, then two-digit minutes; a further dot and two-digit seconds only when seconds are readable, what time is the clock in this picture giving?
1.30
